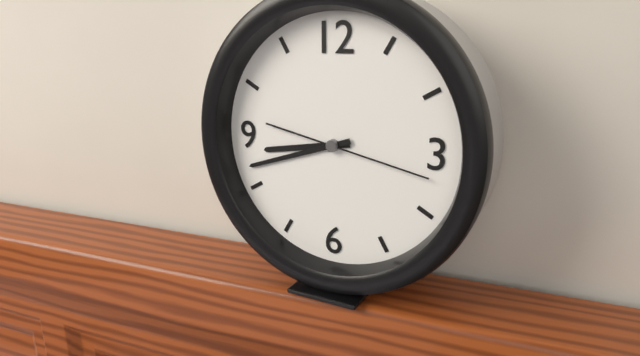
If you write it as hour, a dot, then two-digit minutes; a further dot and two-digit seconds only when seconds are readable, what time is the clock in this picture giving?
8.42.17
